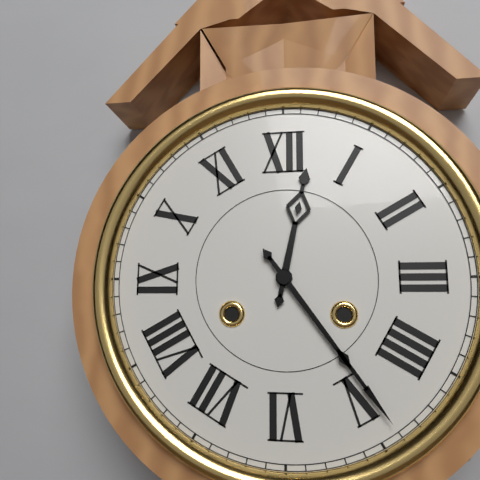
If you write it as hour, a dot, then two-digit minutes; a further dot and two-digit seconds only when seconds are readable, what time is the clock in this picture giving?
12.24
